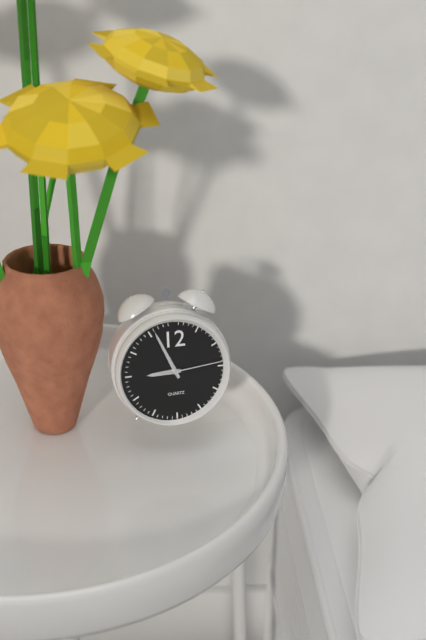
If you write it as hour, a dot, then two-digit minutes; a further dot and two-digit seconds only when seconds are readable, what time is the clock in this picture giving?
8.56.14
